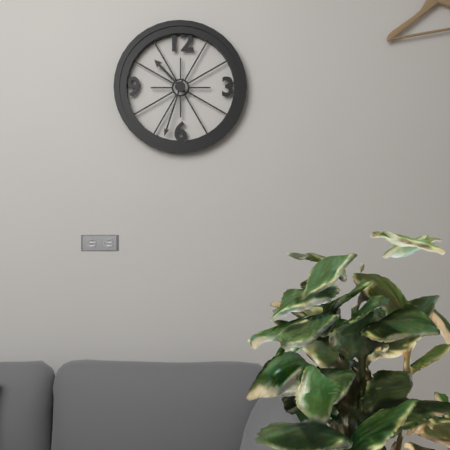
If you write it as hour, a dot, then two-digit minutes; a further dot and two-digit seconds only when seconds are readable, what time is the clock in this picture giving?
10.33
